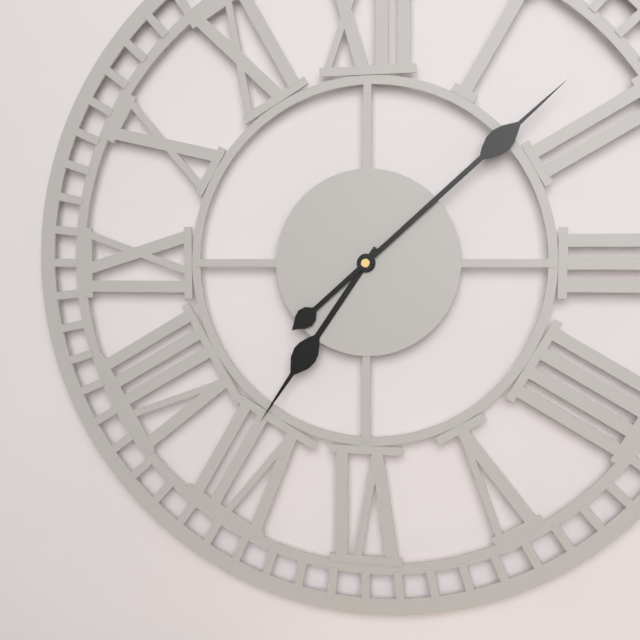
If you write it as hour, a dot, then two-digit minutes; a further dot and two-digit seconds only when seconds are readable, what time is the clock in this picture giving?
7.08
